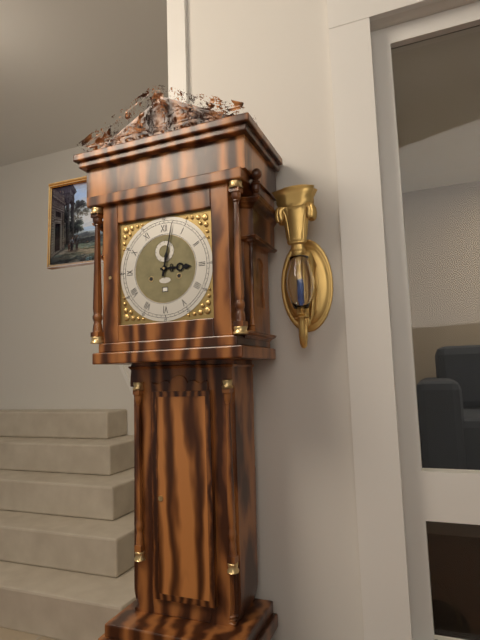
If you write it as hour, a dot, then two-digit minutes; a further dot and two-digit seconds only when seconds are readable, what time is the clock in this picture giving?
3.02
